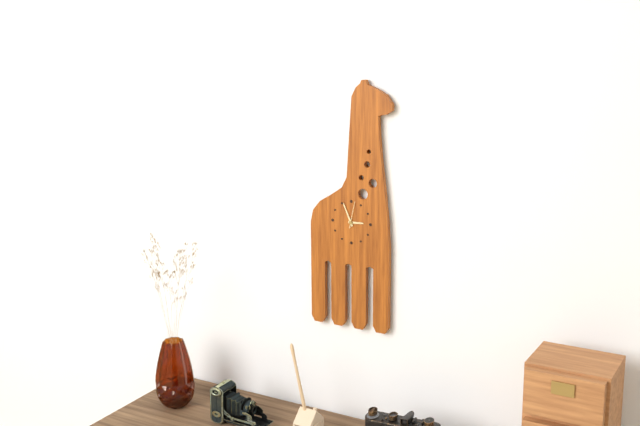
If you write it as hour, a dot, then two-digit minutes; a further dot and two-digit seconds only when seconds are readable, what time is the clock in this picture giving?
2.56
